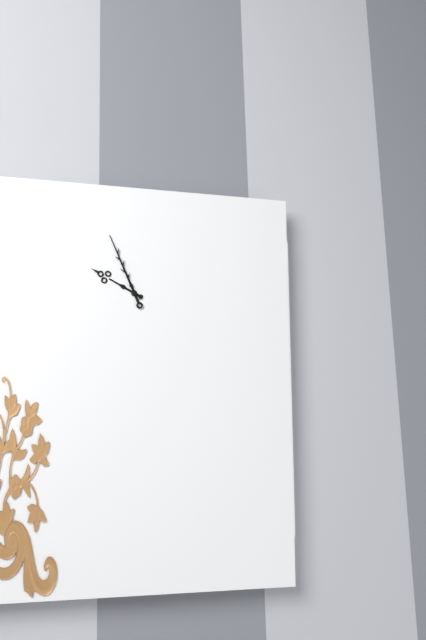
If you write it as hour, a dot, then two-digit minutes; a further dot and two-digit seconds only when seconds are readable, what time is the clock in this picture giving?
9.56
